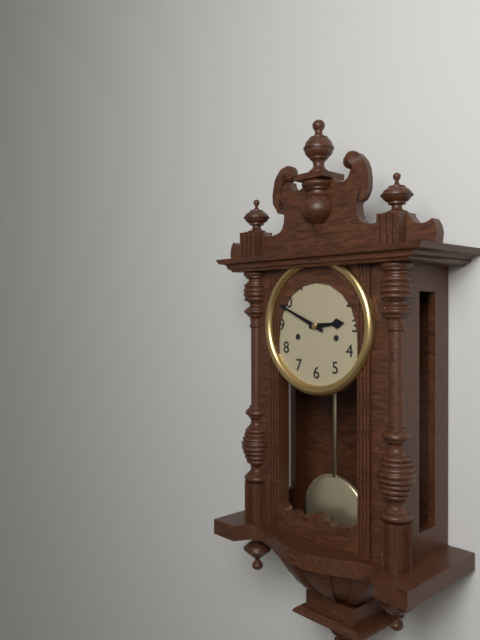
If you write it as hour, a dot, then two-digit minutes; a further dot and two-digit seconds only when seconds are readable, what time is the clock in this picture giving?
2.49
